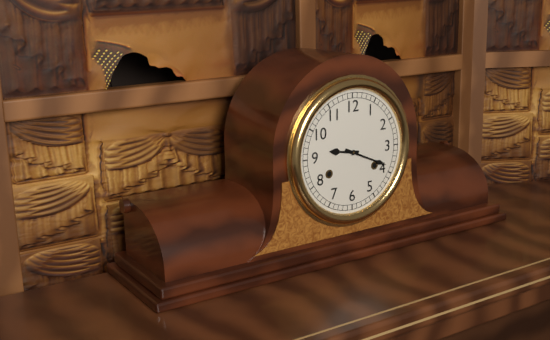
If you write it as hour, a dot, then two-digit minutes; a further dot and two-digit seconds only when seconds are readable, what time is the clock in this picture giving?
9.19
